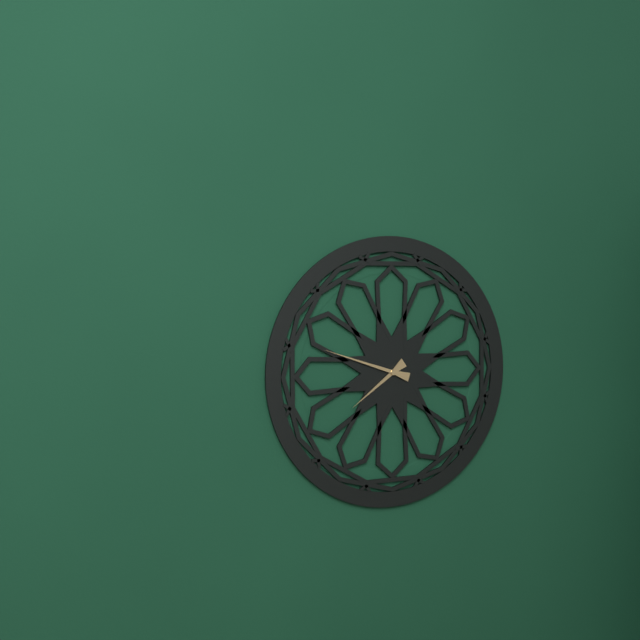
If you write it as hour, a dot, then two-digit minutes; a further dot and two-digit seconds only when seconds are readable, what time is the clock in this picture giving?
7.48
